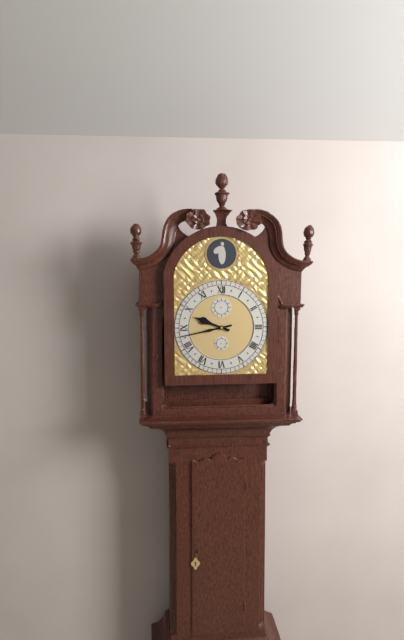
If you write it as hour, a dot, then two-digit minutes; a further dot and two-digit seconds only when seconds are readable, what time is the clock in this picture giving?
9.43
